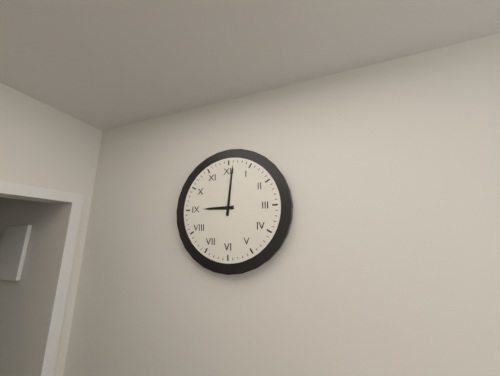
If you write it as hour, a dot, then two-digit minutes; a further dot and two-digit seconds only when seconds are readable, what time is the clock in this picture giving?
9.01
